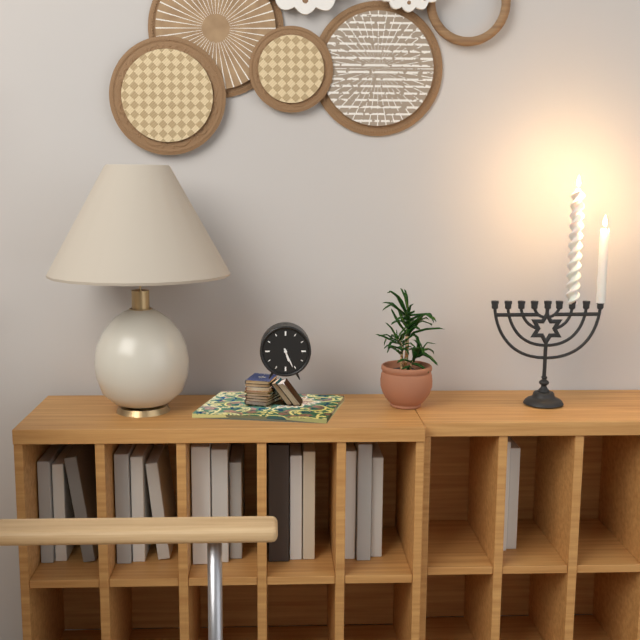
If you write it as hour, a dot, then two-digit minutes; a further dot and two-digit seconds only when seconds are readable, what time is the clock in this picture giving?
5.26
